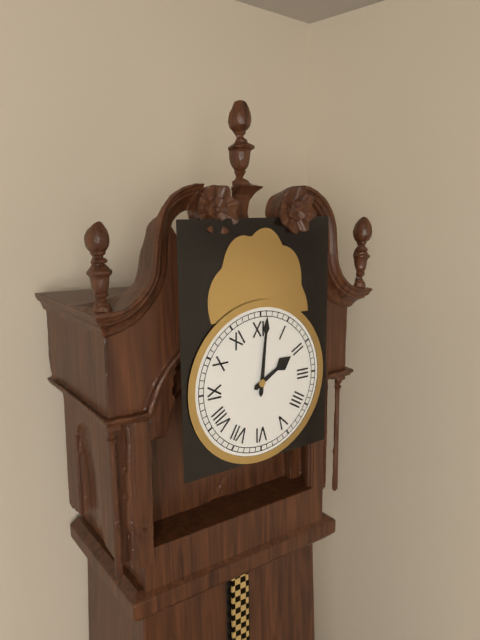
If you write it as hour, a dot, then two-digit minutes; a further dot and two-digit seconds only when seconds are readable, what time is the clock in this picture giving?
2.01
